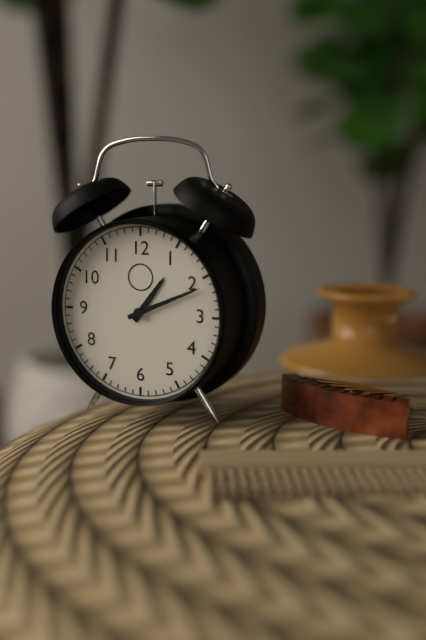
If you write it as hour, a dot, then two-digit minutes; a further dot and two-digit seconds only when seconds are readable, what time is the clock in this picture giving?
1.11
